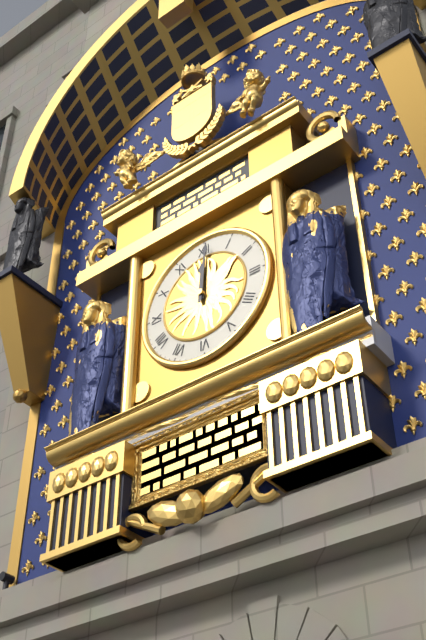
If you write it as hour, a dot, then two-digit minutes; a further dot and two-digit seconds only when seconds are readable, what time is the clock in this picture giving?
12.01
